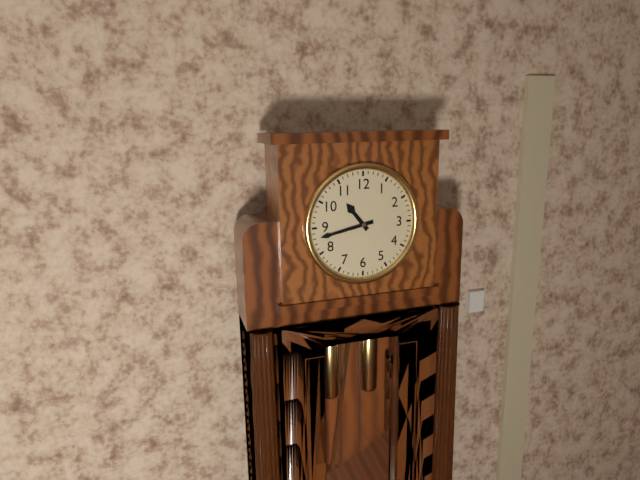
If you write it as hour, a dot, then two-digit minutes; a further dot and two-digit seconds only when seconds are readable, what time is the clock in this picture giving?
10.43
